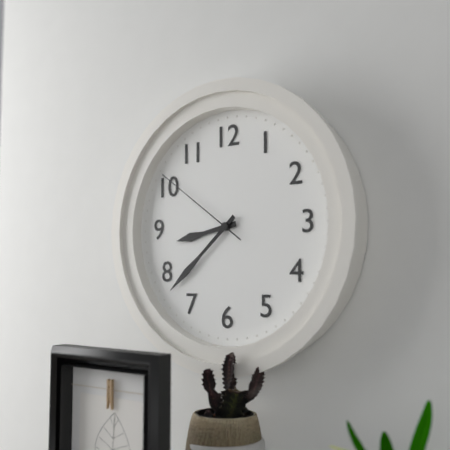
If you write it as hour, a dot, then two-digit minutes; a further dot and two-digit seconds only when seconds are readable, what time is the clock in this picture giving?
8.38.51
